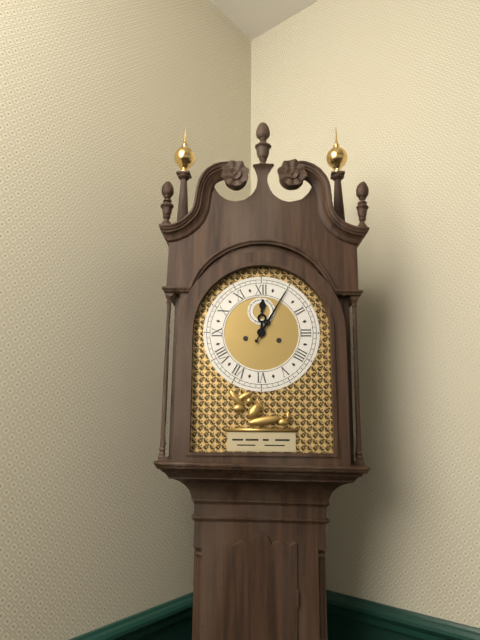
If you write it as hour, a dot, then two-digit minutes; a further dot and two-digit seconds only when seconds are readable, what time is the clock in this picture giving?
12.05
